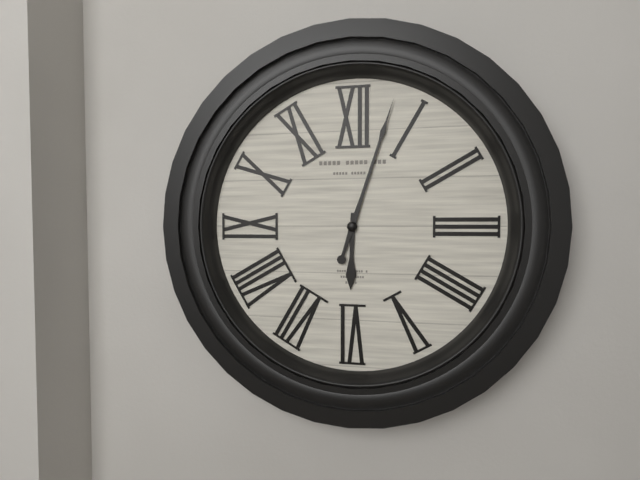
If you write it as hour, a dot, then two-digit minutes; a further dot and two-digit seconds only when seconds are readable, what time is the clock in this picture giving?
6.03
